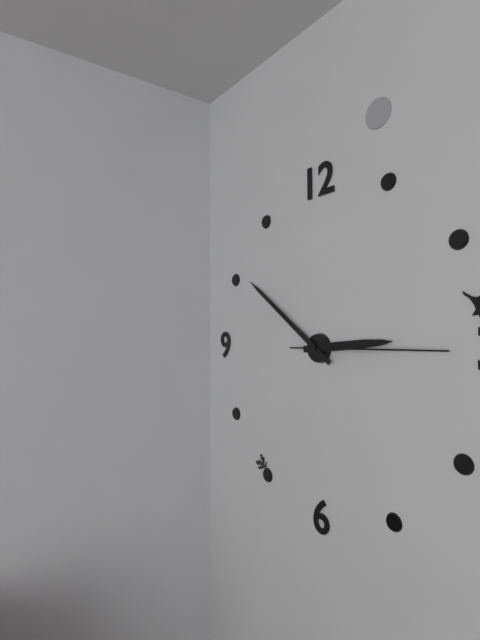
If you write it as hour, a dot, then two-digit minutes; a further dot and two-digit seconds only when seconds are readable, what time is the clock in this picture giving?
2.51.15
